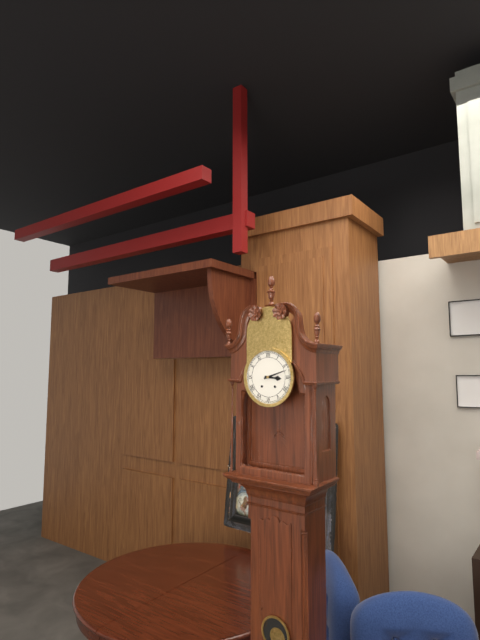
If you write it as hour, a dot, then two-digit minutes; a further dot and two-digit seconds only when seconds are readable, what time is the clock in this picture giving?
3.12
